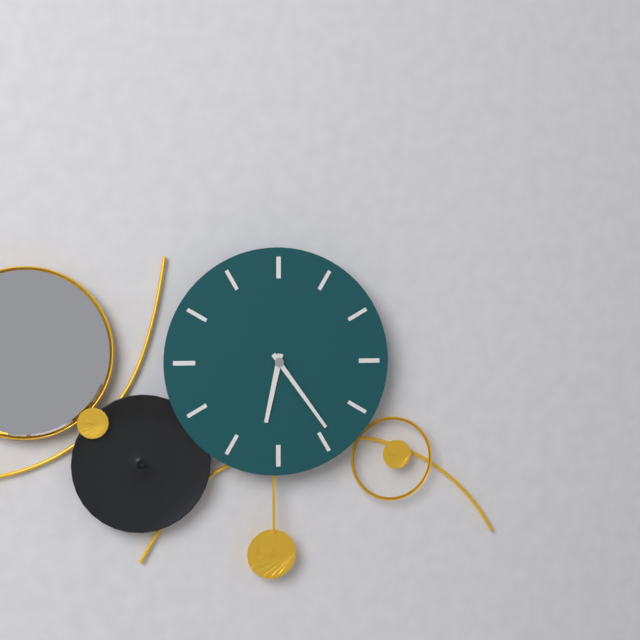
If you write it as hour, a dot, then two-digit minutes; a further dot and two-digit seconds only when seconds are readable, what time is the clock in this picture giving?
6.24
